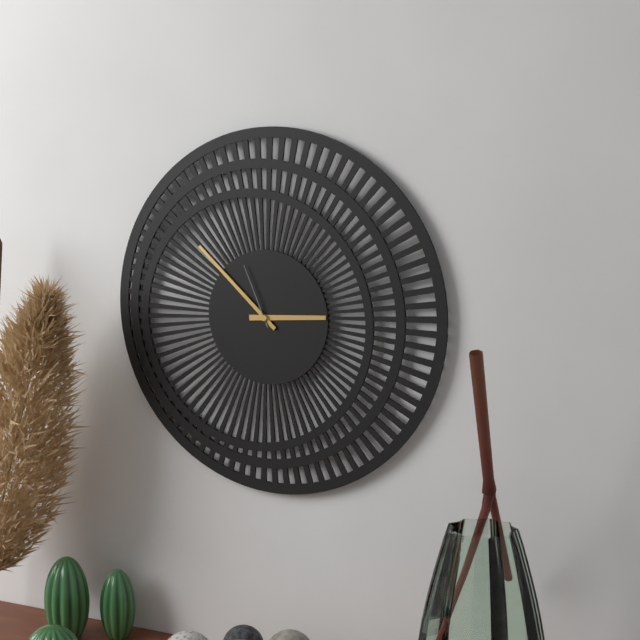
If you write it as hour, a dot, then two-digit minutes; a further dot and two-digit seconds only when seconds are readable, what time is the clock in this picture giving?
2.52.56
